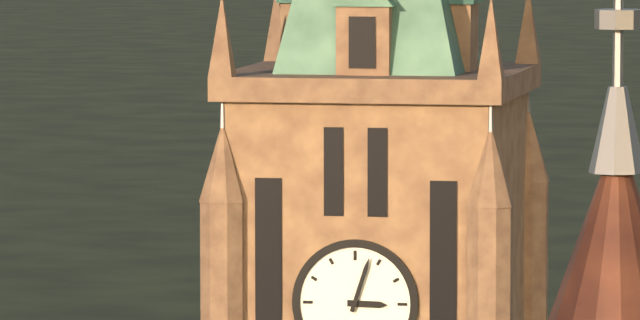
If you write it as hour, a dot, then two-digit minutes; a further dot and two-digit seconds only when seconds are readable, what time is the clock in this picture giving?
3.03
